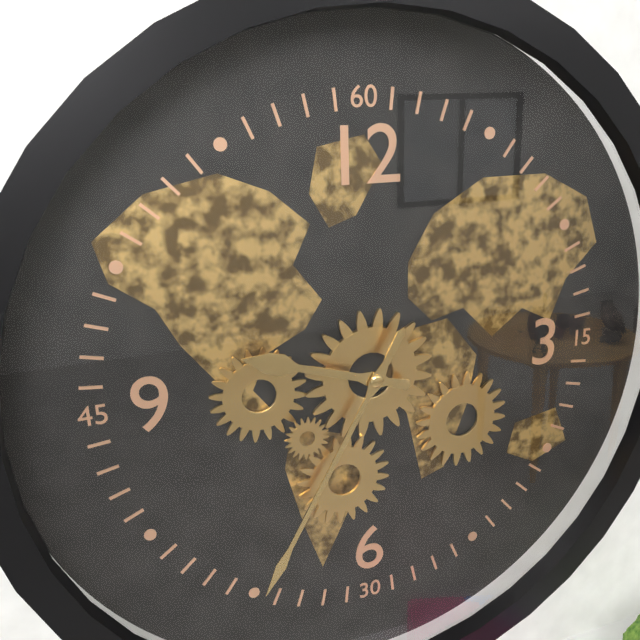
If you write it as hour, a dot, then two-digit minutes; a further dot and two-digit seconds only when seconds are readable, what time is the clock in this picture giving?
9.35
